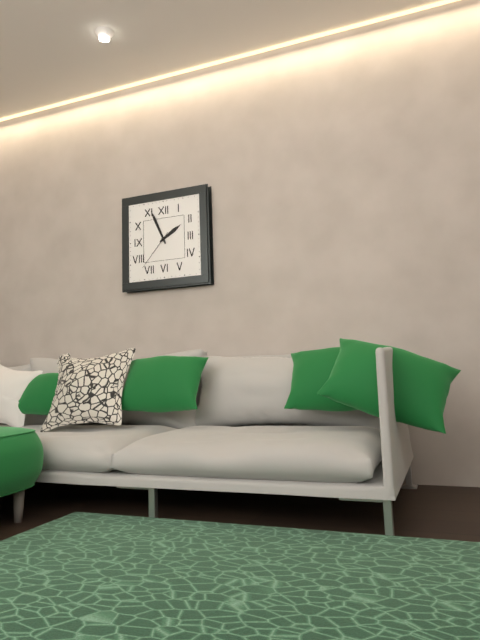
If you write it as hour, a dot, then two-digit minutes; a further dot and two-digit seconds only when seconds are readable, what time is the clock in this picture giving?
1.56
